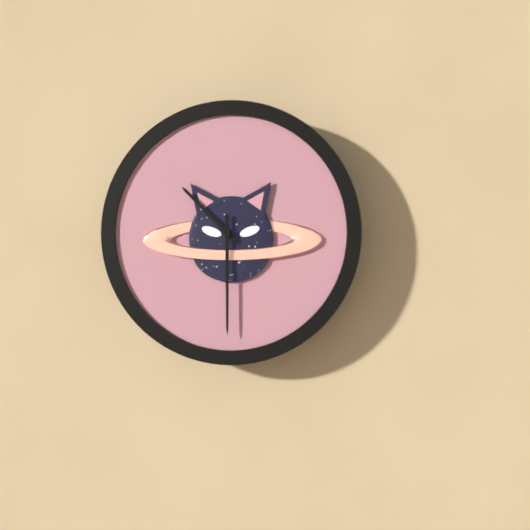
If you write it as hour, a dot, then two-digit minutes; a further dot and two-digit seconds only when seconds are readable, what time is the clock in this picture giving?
10.30
